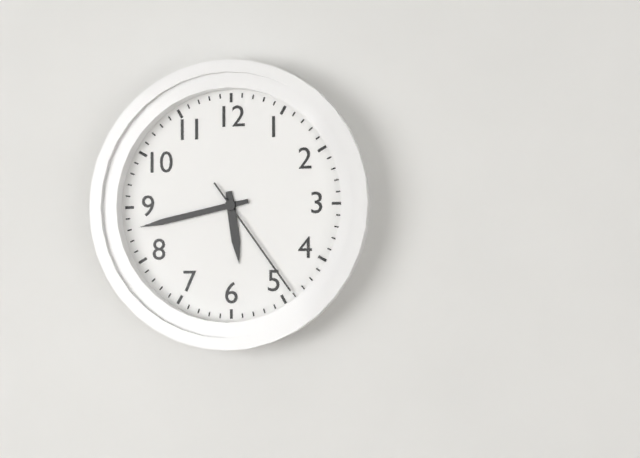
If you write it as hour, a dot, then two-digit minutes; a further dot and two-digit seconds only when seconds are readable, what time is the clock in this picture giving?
5.43.24
